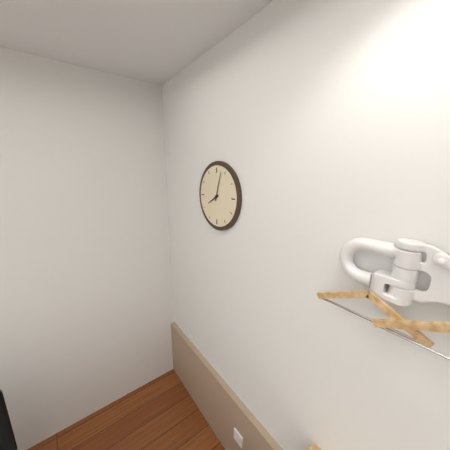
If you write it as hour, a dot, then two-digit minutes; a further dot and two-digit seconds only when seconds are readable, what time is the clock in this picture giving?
8.03
